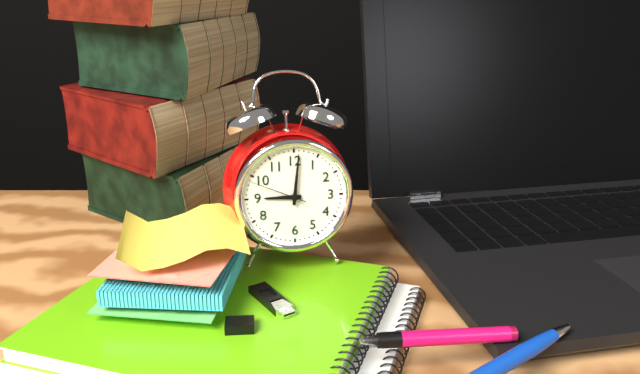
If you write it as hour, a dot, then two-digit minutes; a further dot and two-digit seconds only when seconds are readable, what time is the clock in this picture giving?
9.01.49
